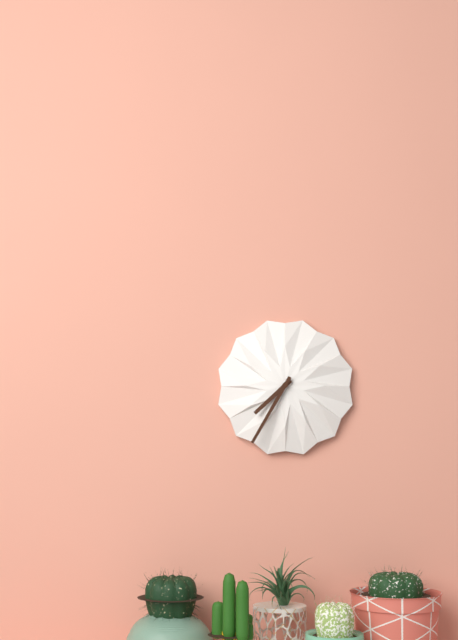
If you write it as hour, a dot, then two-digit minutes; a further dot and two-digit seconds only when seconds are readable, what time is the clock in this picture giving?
7.35
